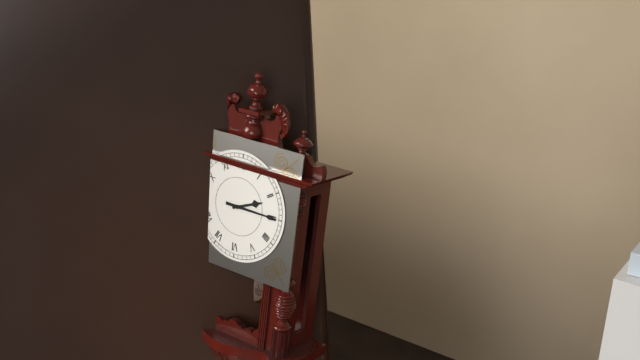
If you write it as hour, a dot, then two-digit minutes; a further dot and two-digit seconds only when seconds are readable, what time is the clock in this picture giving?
2.15
